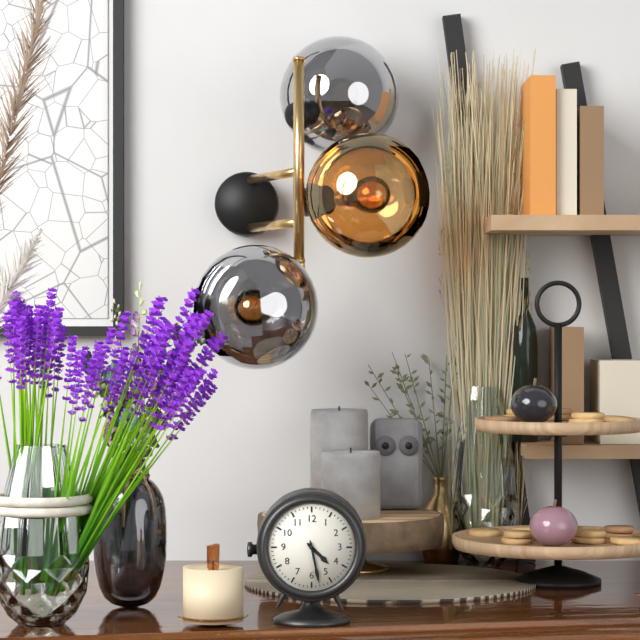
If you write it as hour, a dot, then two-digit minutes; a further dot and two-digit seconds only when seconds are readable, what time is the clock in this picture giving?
4.28
